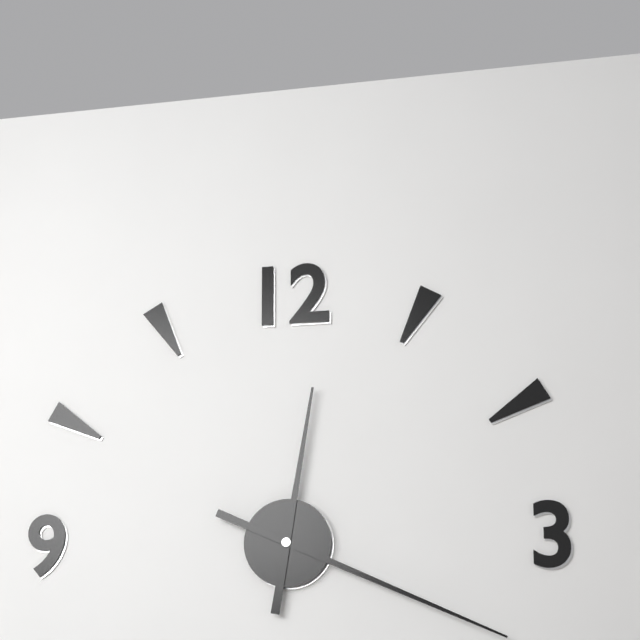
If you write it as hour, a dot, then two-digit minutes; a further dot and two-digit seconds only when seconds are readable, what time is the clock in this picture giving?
12.19
